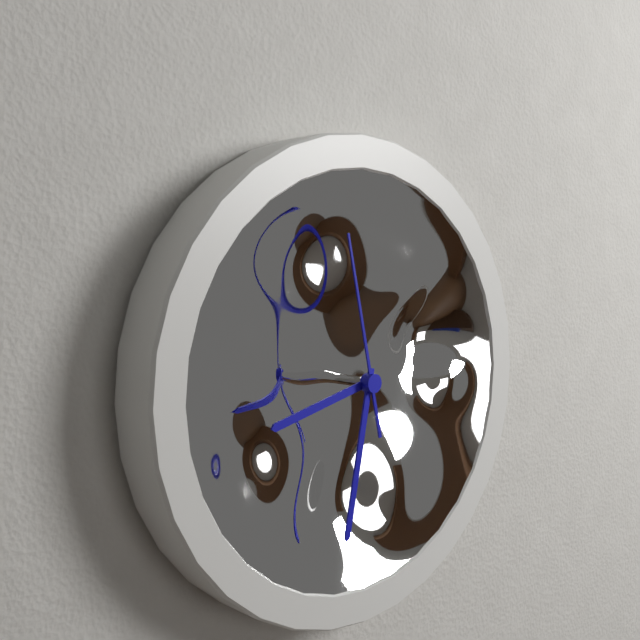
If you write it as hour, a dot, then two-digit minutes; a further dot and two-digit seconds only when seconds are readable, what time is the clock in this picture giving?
8.32.58
